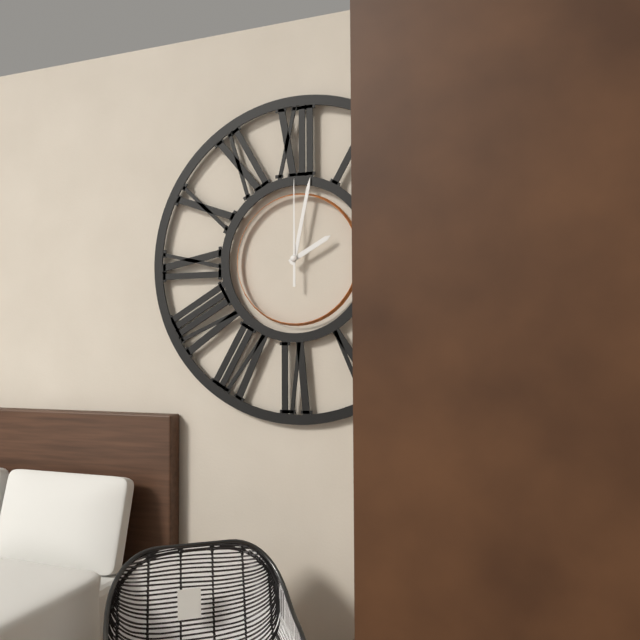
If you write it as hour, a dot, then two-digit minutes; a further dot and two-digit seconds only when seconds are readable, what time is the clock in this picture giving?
2.02.00
